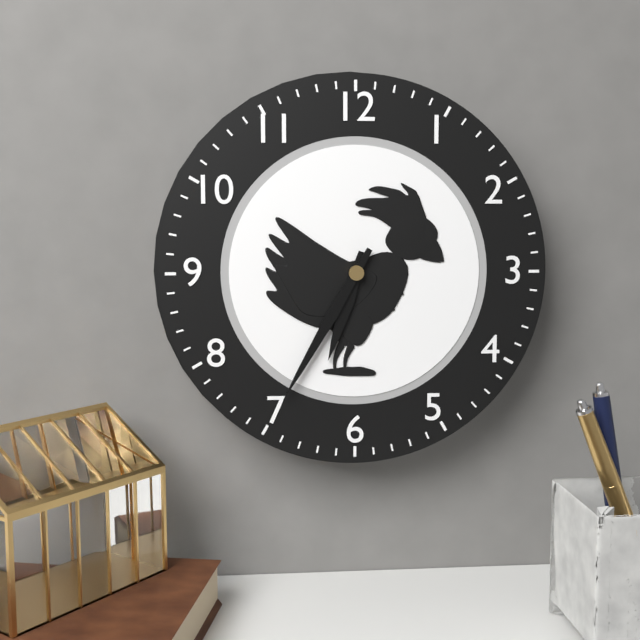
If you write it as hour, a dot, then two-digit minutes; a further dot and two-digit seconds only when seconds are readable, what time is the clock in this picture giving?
6.35
